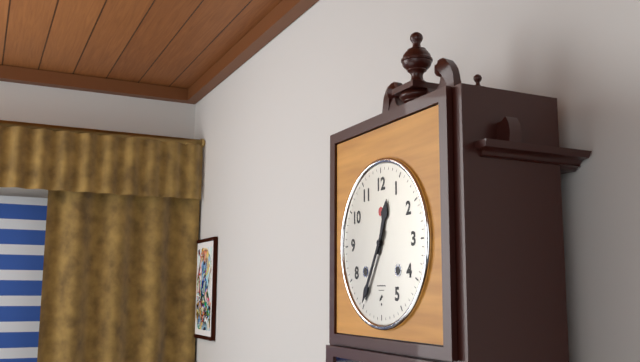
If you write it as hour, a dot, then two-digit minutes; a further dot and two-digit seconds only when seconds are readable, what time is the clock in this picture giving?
12.35
